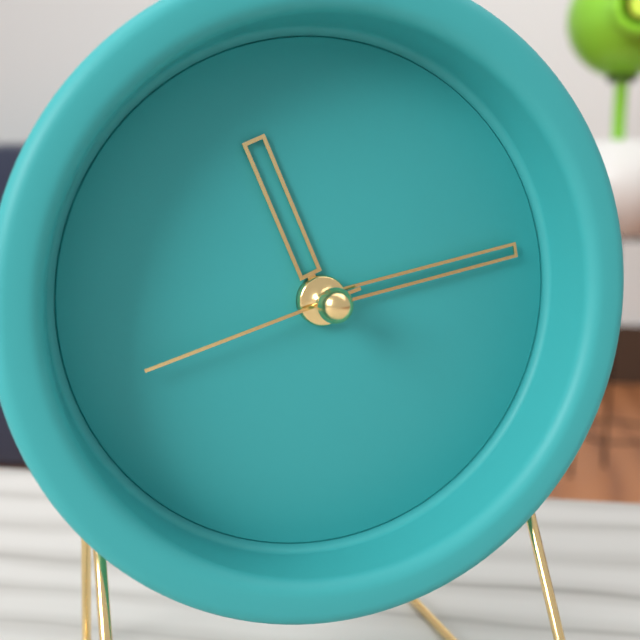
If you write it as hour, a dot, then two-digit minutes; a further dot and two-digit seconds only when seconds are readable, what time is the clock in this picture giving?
11.13.42
